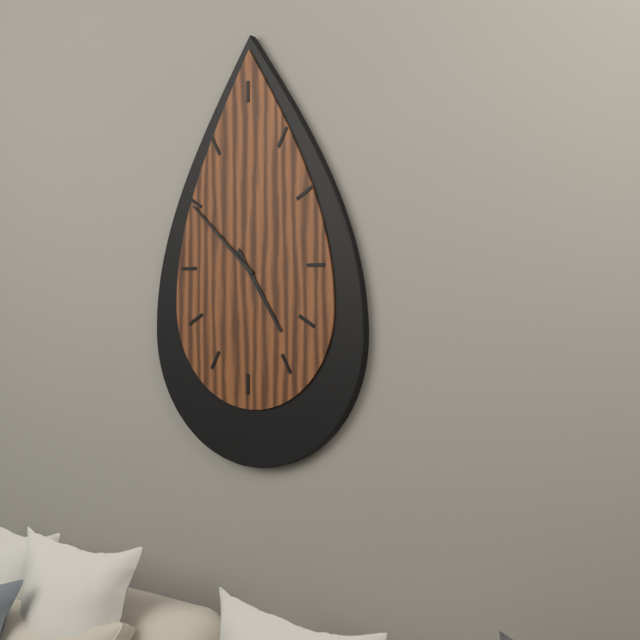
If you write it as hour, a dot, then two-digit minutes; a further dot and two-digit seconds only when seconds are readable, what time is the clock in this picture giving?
4.52
